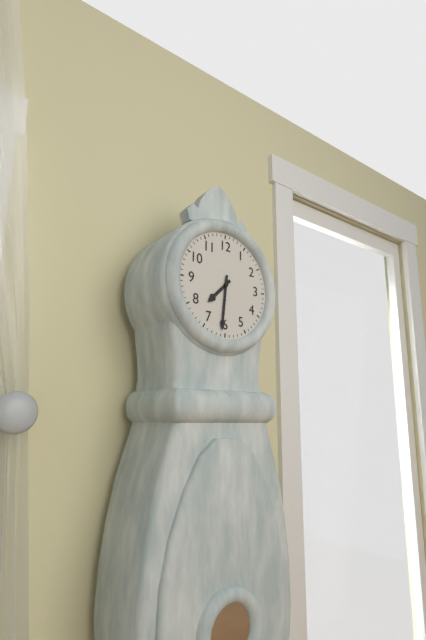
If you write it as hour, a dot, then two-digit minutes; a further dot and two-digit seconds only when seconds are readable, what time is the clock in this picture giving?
7.31
